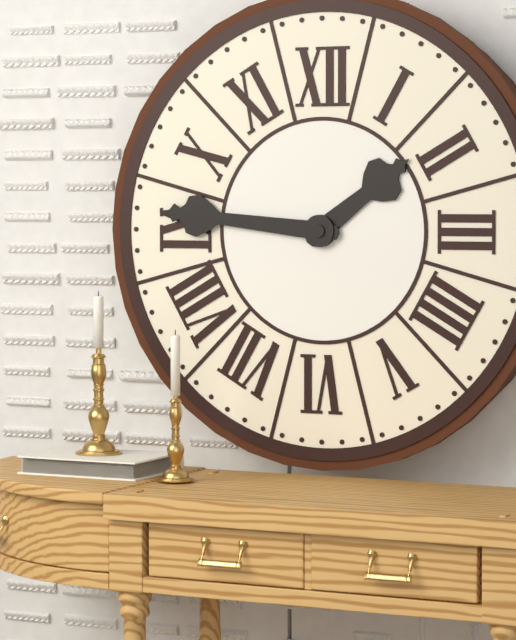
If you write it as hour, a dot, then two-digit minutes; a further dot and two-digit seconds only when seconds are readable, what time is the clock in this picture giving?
1.46
